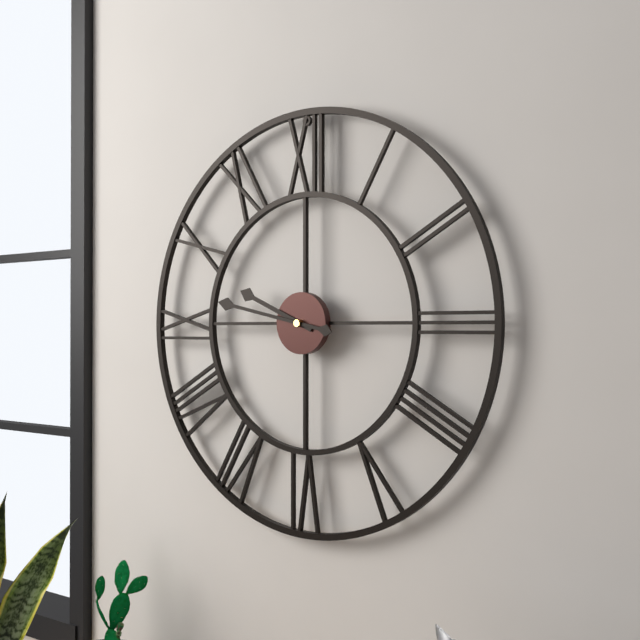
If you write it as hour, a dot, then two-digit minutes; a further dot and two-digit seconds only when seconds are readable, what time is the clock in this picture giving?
9.47
